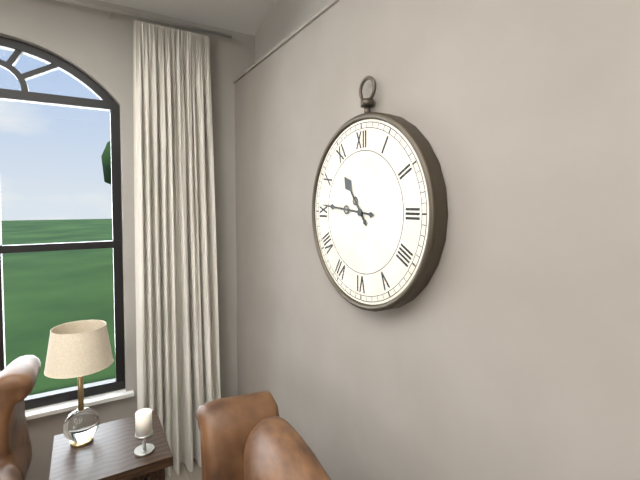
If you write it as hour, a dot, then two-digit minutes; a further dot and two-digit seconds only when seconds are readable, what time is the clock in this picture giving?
10.46
